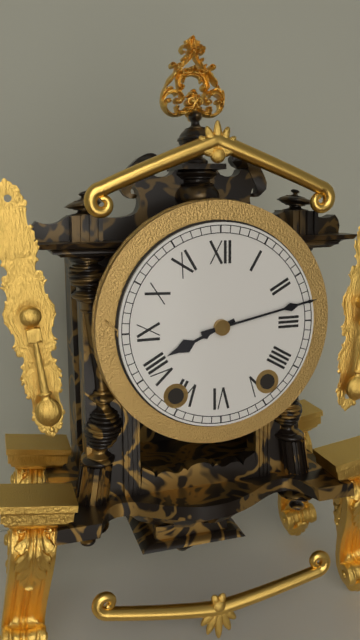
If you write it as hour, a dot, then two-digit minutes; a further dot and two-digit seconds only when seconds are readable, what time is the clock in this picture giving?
8.13
